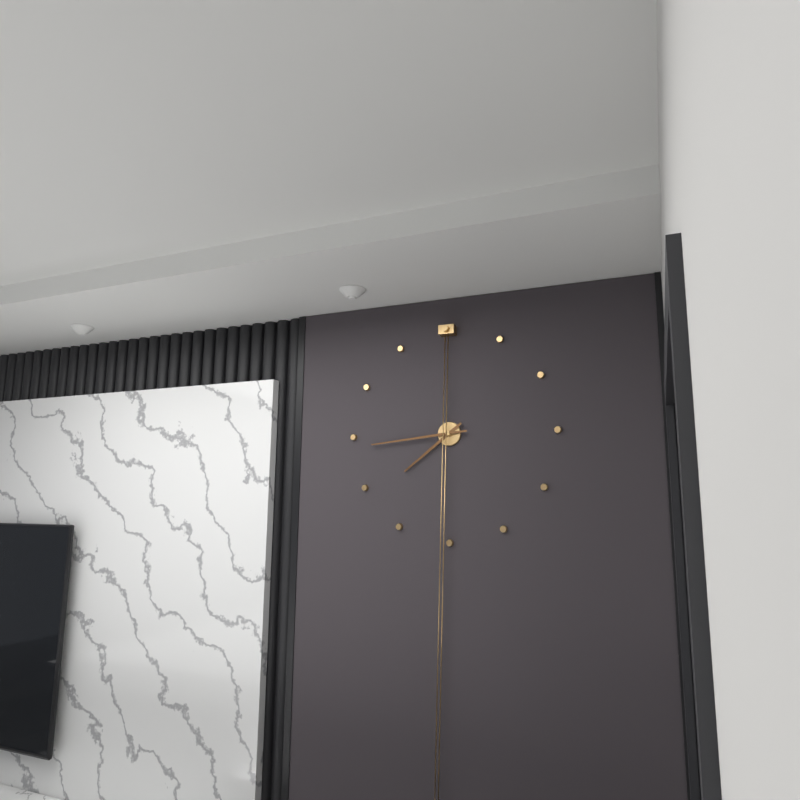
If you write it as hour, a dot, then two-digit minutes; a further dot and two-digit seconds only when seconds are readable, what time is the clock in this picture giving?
7.44
